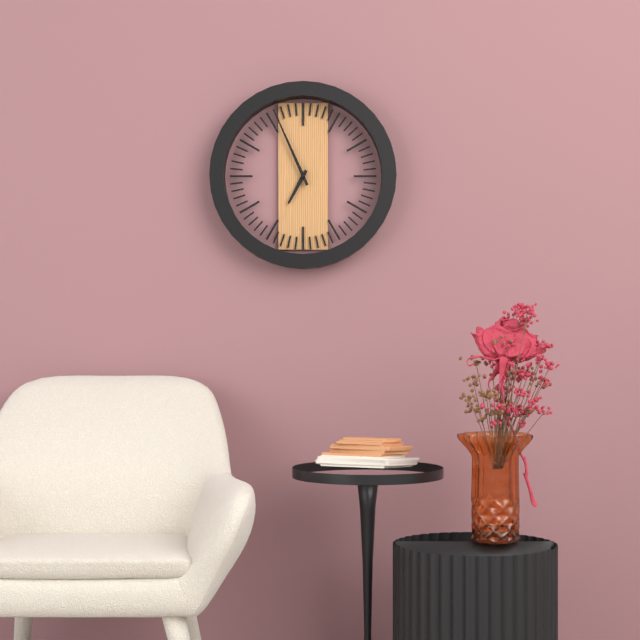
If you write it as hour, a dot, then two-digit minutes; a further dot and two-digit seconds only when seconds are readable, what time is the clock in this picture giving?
6.56
